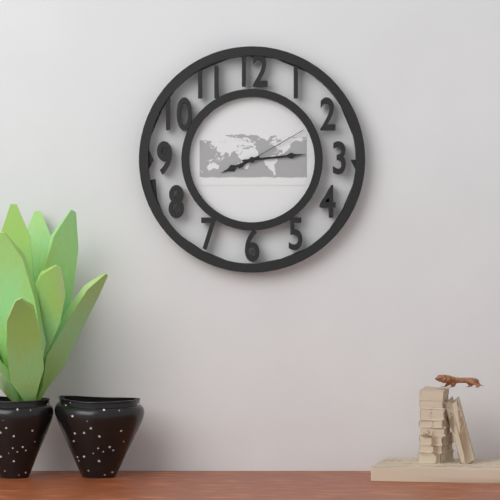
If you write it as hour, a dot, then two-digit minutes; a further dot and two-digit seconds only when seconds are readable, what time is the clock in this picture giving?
8.14.10
